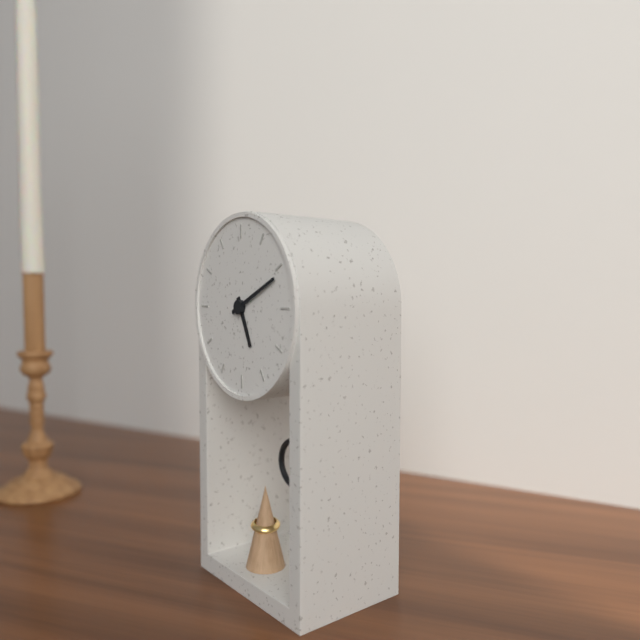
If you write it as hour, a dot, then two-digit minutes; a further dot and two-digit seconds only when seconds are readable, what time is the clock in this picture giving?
5.11
